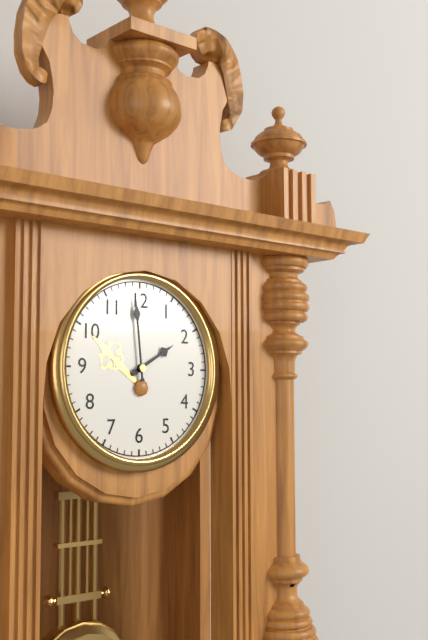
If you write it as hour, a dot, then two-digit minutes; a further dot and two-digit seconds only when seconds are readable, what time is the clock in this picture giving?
1.59
